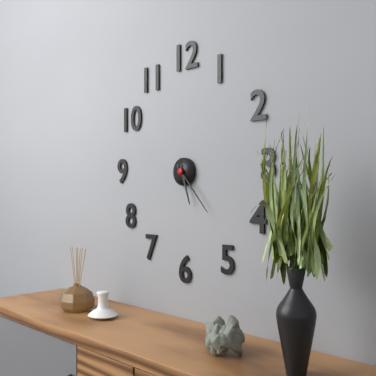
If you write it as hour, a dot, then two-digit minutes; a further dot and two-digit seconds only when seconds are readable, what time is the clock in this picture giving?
5.23
